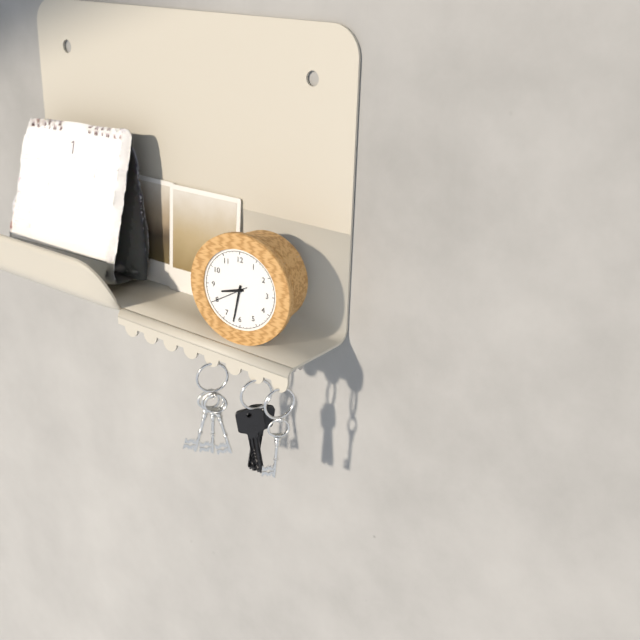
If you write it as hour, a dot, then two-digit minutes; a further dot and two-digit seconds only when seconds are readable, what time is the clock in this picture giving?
8.32
